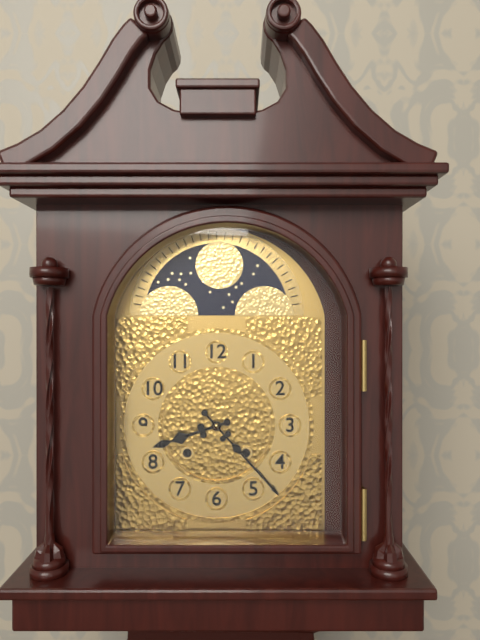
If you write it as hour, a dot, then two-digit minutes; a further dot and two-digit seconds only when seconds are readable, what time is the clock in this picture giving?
8.23
